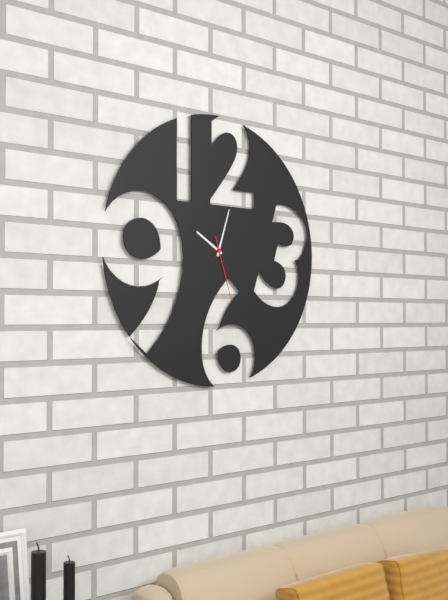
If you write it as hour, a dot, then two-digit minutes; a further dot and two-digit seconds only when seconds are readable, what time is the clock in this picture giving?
10.03.27
